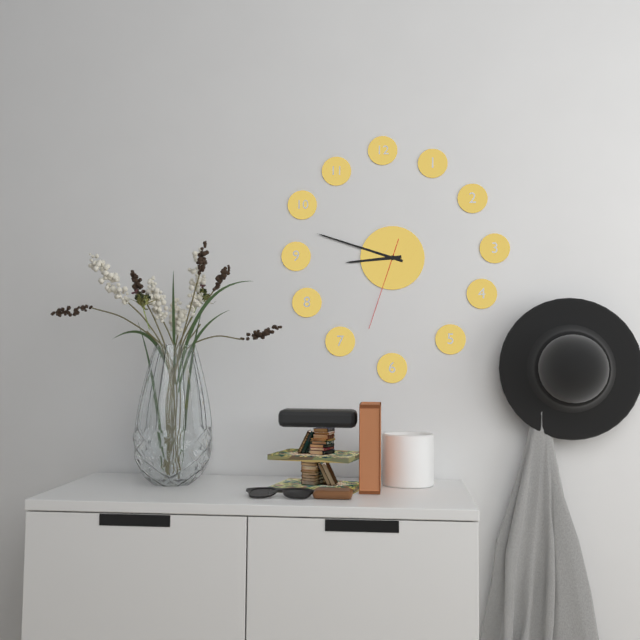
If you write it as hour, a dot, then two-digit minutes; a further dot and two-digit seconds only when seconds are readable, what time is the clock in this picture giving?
8.48.33
